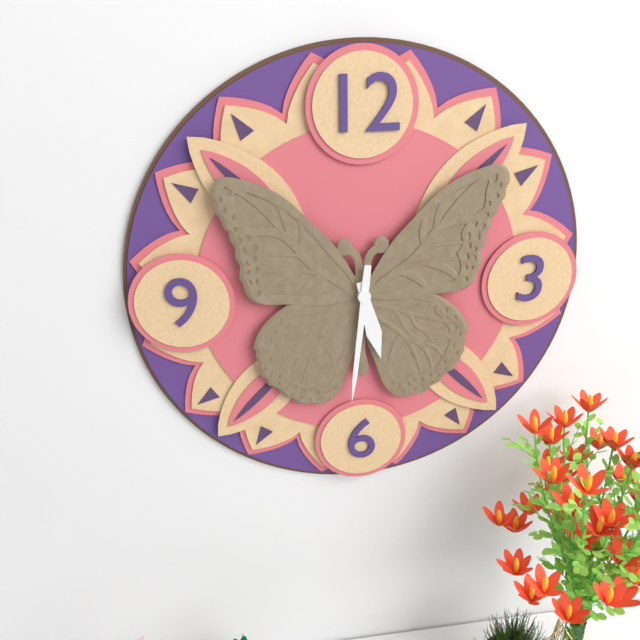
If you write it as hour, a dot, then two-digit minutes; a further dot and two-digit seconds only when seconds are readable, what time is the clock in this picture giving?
5.31
